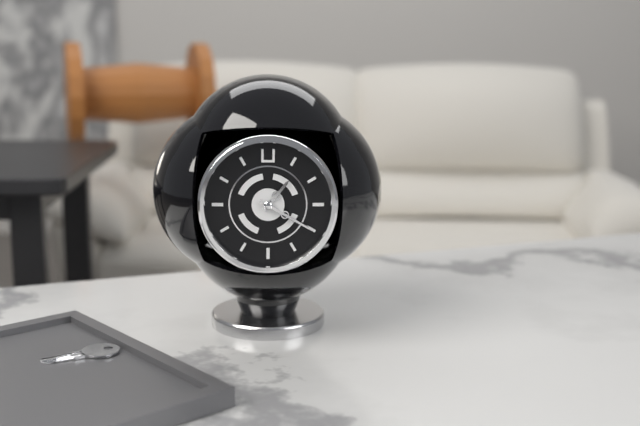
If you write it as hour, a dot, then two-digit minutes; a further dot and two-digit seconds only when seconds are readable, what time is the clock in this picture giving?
1.20
